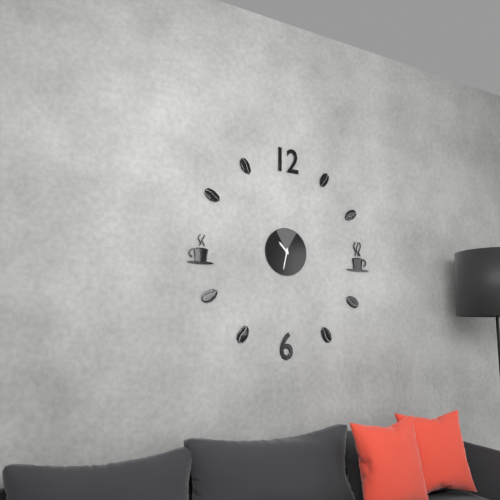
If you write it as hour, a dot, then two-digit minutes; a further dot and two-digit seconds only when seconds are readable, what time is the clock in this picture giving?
10.32
